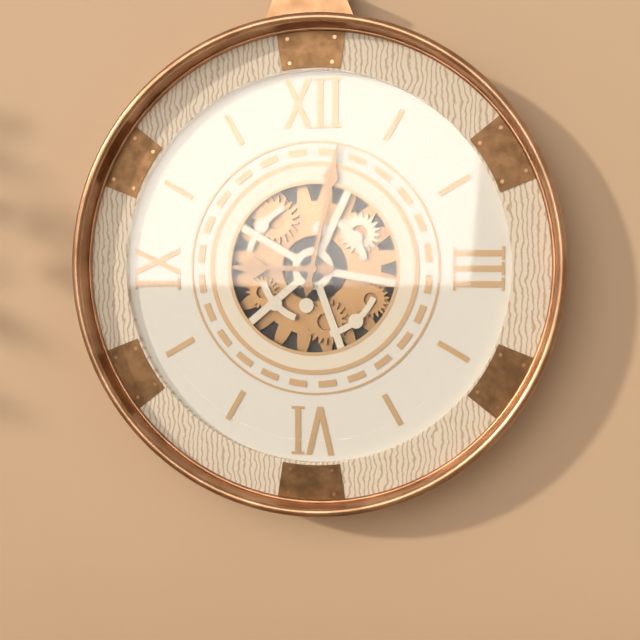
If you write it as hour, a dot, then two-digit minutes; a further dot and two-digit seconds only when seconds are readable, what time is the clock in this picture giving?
9.02
